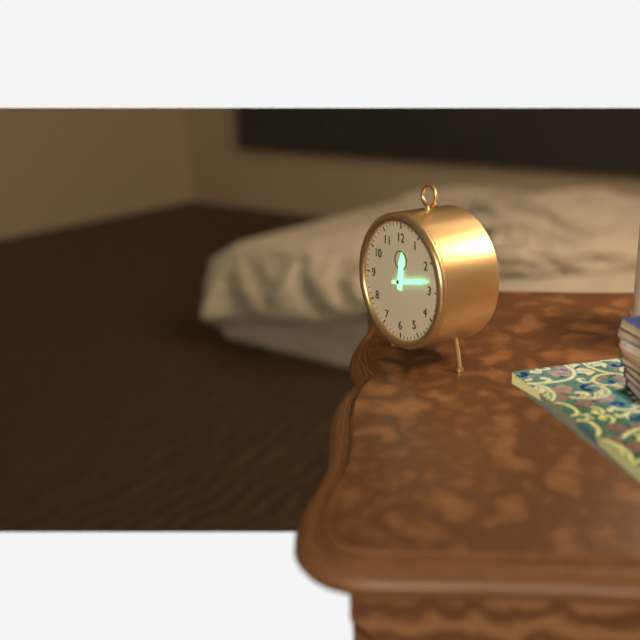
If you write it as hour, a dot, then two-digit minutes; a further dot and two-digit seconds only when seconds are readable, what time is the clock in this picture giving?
12.13
